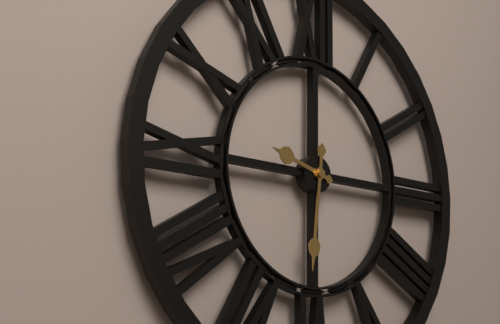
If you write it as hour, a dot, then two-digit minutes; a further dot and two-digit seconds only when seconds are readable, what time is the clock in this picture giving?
9.31
